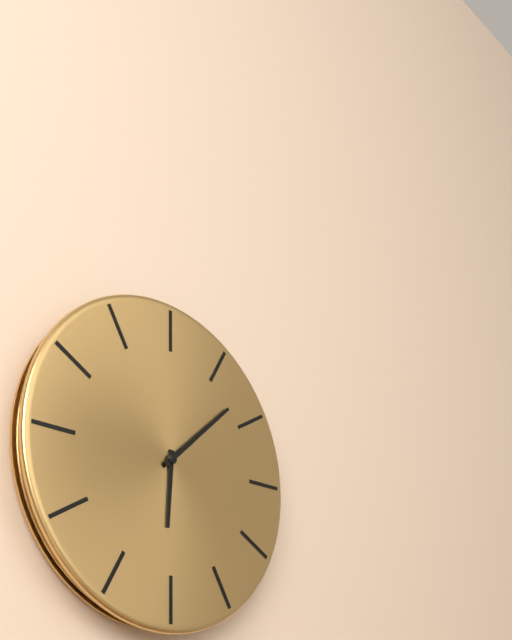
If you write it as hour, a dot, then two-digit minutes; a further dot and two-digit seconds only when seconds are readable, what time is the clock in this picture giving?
6.08
